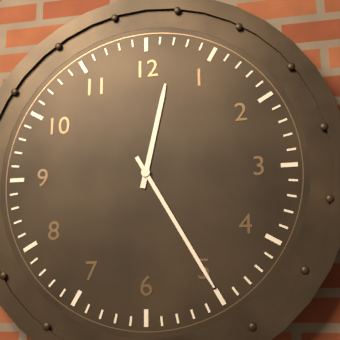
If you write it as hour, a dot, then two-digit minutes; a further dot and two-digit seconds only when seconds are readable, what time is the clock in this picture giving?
12.25
